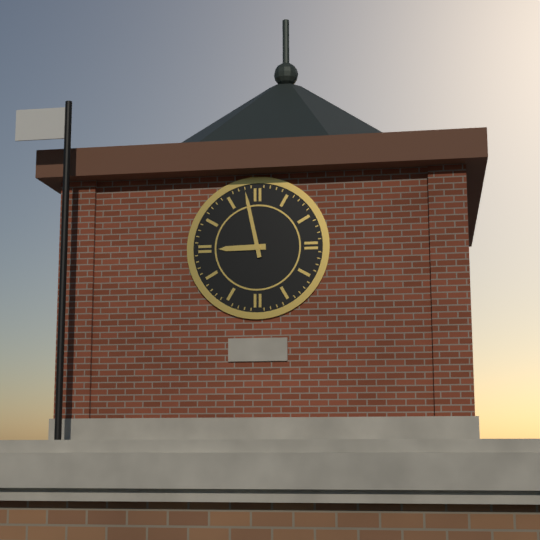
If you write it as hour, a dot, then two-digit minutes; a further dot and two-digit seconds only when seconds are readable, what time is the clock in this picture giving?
8.58
